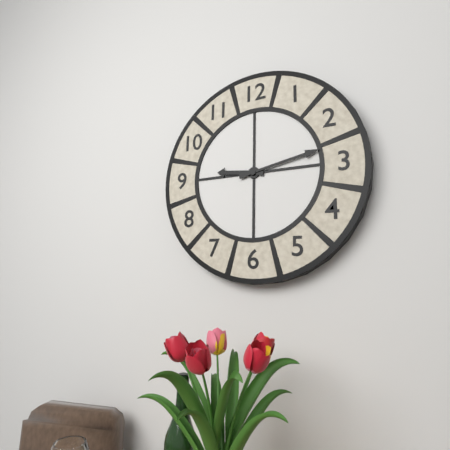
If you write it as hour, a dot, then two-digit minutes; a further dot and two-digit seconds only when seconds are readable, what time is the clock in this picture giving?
9.13
